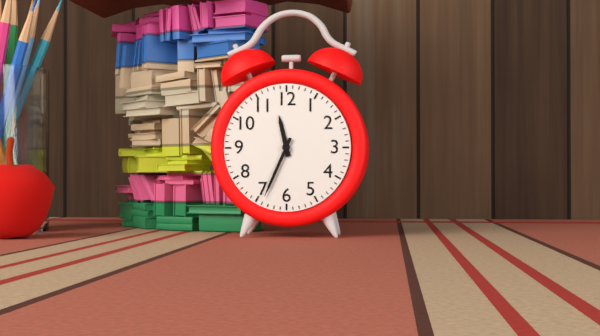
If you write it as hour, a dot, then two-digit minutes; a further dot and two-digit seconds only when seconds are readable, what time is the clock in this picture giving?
11.34
